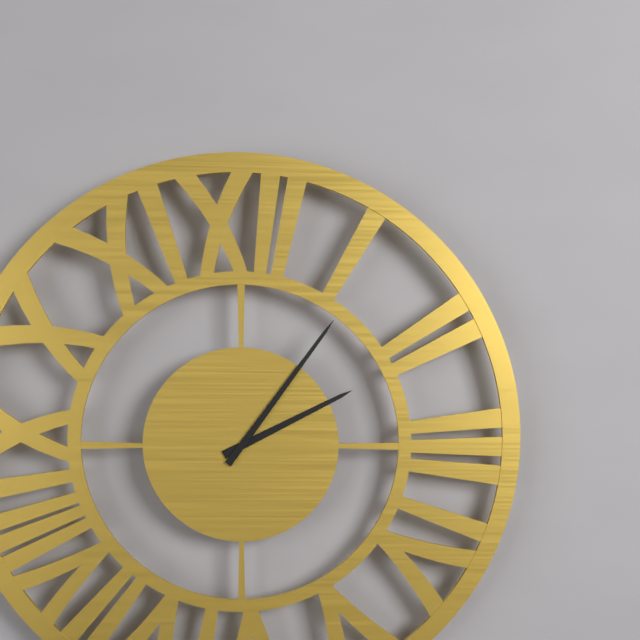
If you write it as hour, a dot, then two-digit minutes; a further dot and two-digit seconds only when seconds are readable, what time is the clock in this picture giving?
2.06
